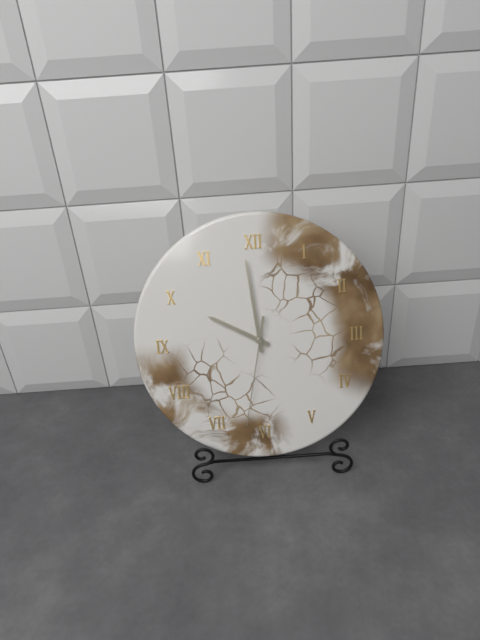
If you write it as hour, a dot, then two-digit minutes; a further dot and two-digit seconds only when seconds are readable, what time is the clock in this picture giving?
9.59.32
